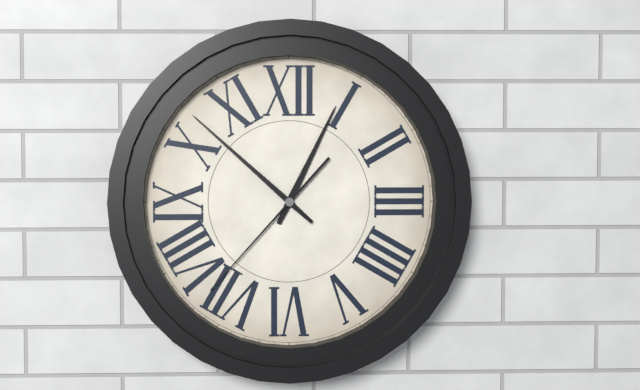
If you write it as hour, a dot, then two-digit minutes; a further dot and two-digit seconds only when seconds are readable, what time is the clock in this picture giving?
12.52.37
